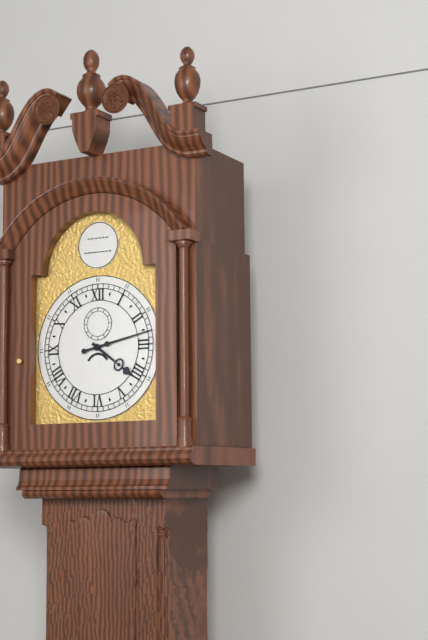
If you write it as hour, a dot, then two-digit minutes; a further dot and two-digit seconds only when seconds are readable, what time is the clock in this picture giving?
4.13
